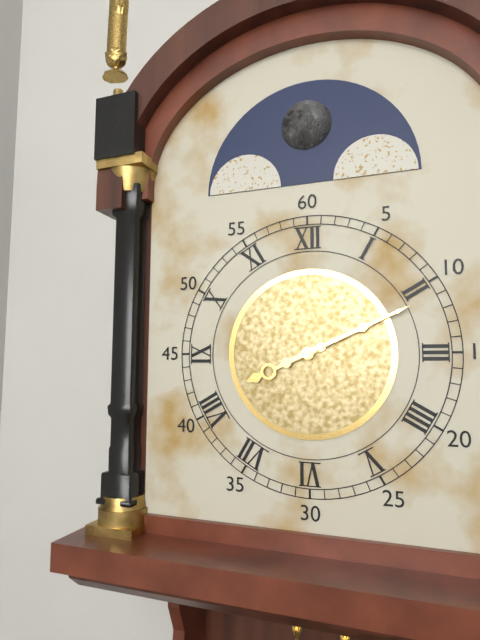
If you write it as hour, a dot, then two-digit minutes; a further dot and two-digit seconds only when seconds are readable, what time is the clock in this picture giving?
8.11
